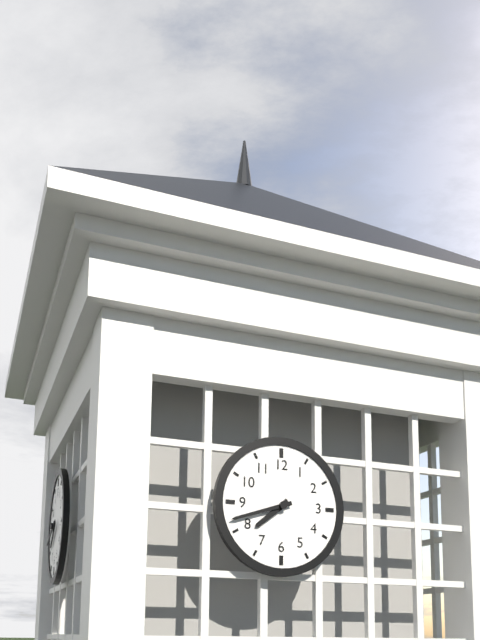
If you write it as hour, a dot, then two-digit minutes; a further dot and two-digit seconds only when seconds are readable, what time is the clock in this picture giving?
7.42
